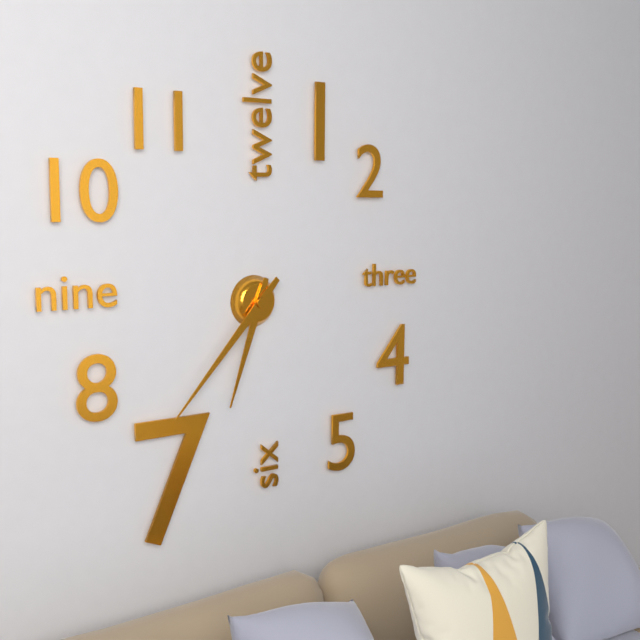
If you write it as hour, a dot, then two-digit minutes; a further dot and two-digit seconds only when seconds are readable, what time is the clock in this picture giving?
6.37
